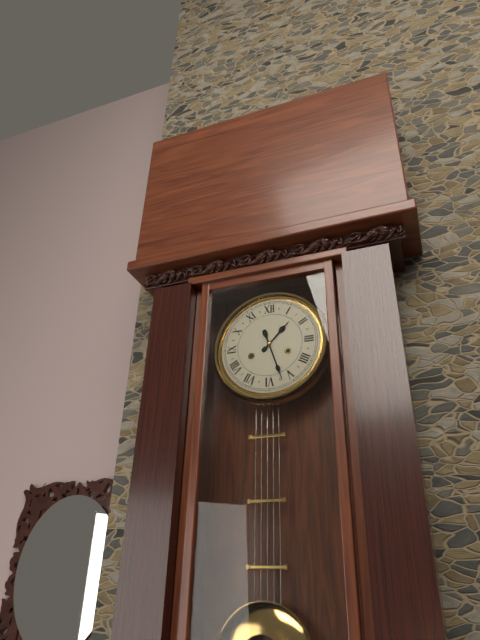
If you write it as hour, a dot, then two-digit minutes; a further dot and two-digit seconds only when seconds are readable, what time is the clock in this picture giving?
1.27
